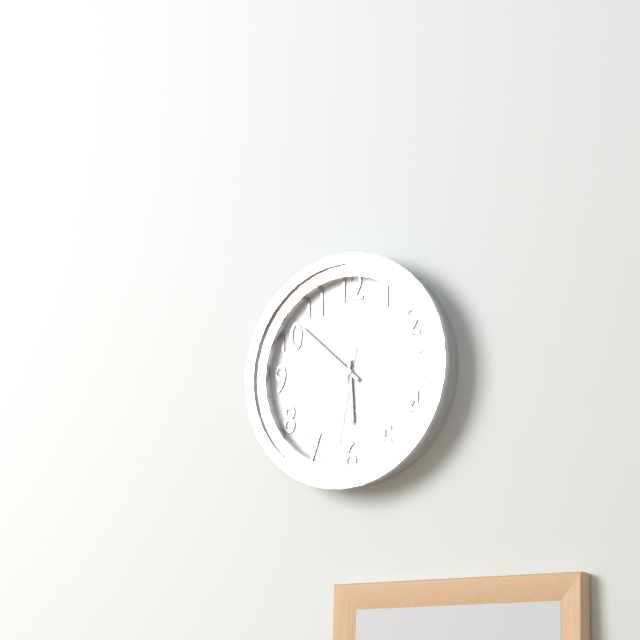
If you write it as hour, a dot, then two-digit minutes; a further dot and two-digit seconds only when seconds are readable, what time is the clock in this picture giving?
5.52.32
